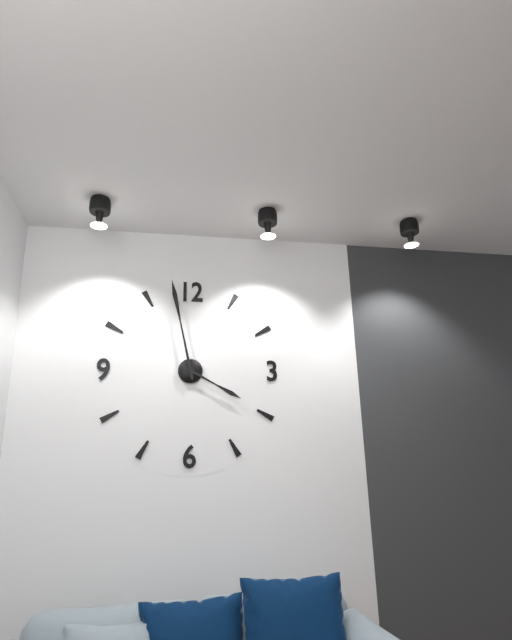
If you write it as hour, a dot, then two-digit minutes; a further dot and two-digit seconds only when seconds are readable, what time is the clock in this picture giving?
3.58
